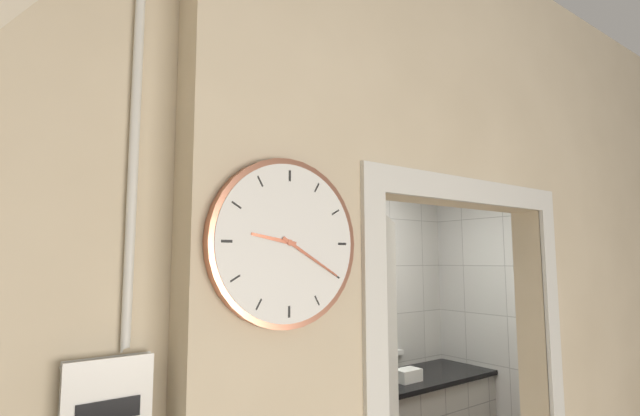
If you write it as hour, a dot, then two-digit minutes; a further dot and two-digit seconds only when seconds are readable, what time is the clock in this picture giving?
9.20
